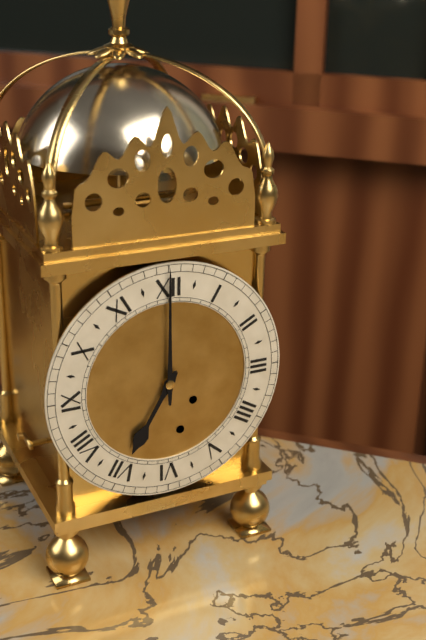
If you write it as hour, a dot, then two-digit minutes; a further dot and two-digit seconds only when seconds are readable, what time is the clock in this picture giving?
7.00
